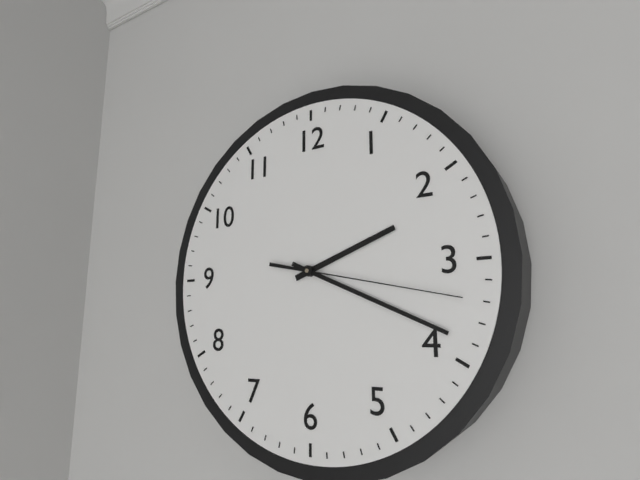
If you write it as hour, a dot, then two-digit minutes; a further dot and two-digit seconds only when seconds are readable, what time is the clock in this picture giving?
2.19.17
